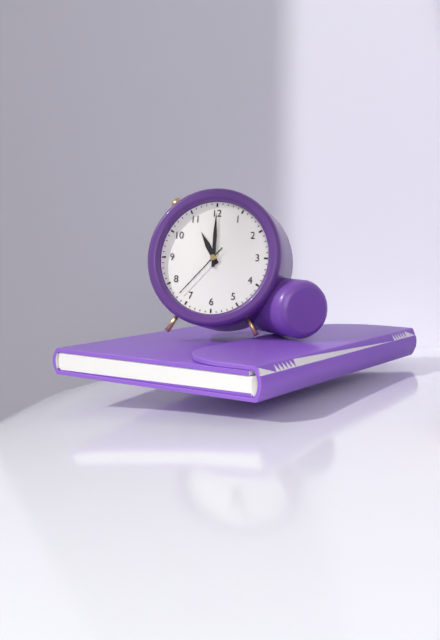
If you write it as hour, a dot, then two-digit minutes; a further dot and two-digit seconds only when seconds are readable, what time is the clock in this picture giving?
11.00.37
